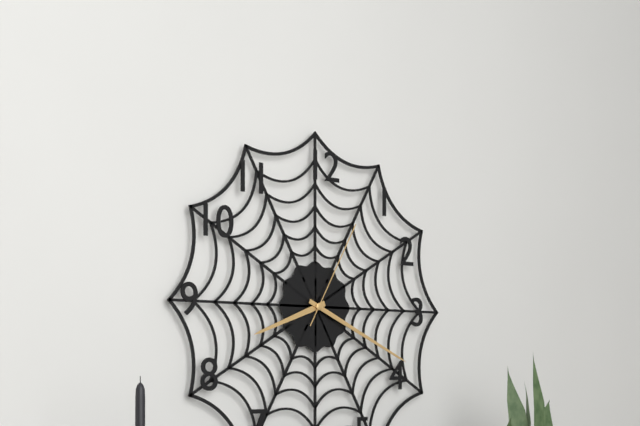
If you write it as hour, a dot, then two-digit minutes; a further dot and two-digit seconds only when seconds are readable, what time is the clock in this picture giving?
8.19.05
